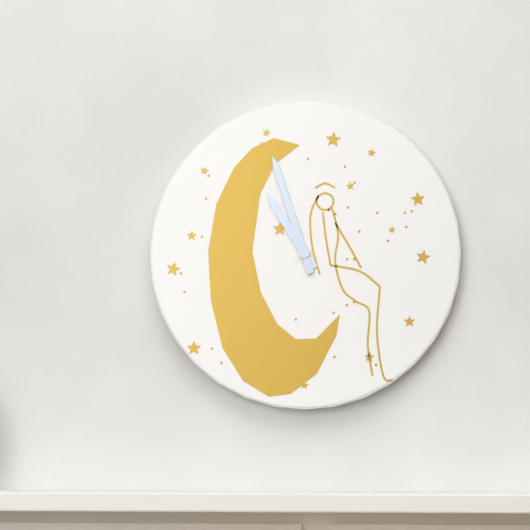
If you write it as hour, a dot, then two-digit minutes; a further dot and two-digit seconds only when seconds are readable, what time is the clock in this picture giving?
10.57
